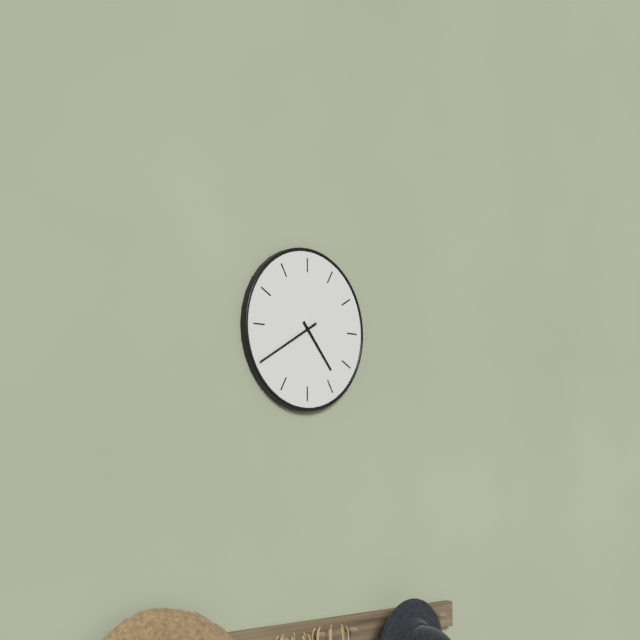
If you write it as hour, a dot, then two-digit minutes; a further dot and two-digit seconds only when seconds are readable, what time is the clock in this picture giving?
4.40
